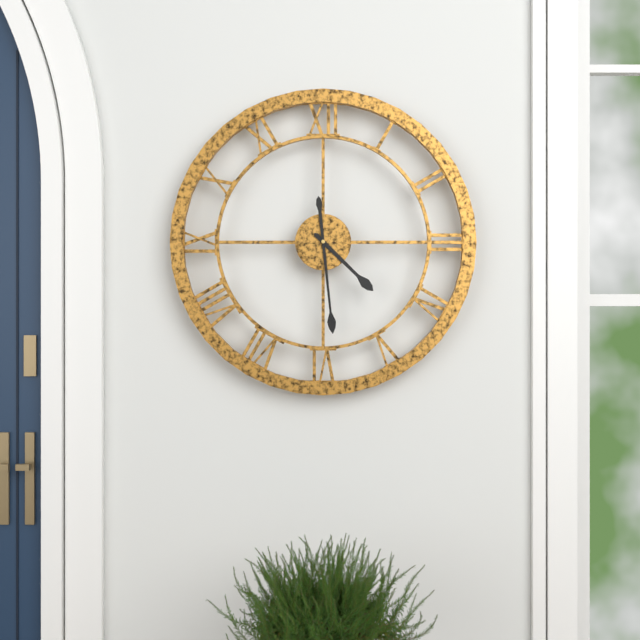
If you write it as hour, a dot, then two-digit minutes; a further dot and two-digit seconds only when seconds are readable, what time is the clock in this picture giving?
4.29
